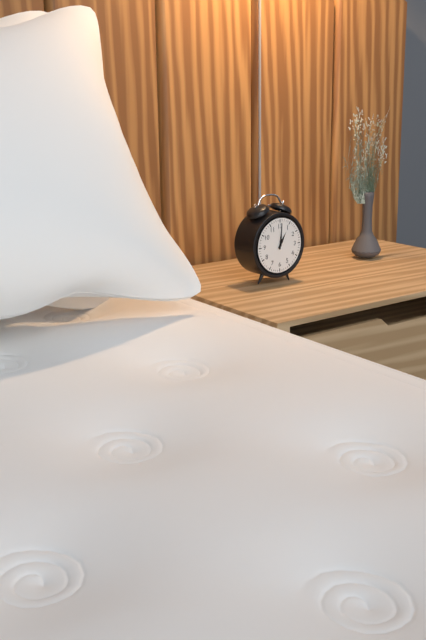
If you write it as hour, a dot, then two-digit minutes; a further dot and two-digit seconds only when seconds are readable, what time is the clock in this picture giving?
1.01
